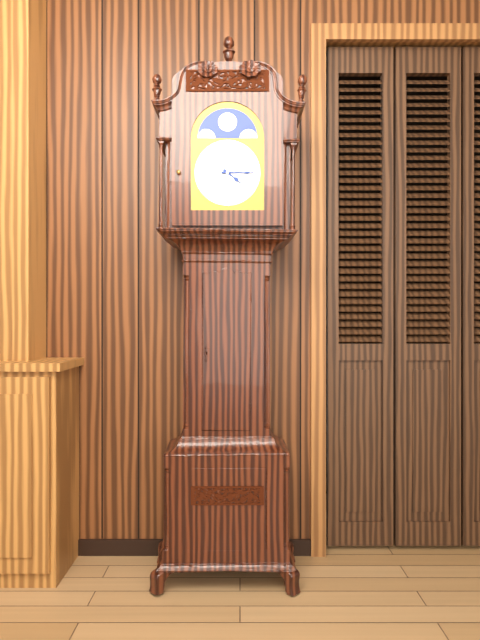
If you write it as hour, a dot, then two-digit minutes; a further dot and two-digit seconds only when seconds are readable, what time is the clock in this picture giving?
4.15
